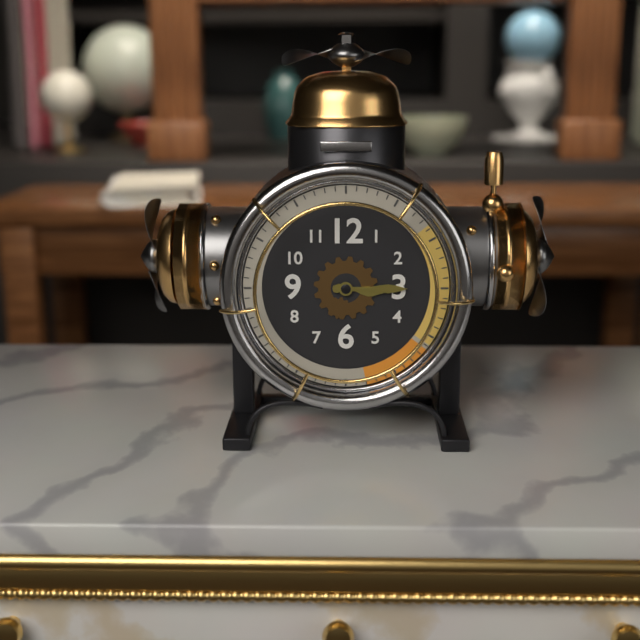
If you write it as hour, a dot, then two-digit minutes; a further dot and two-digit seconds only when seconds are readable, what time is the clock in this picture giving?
3.15
